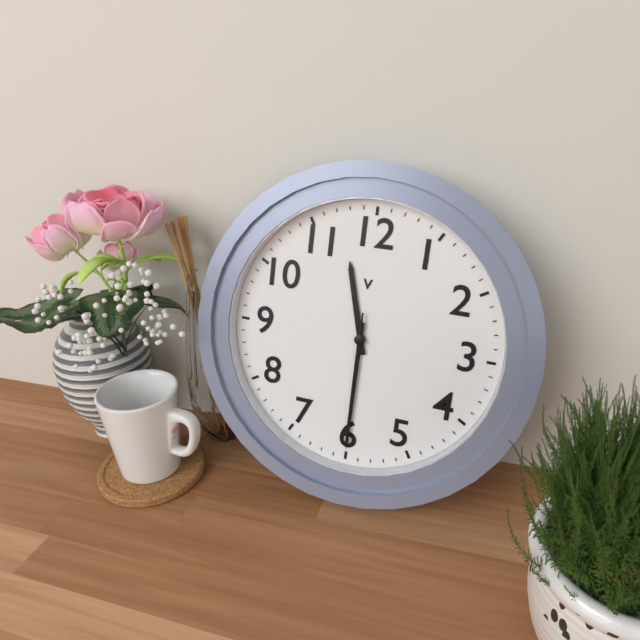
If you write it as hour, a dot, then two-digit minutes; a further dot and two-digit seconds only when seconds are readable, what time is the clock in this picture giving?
11.30.30
